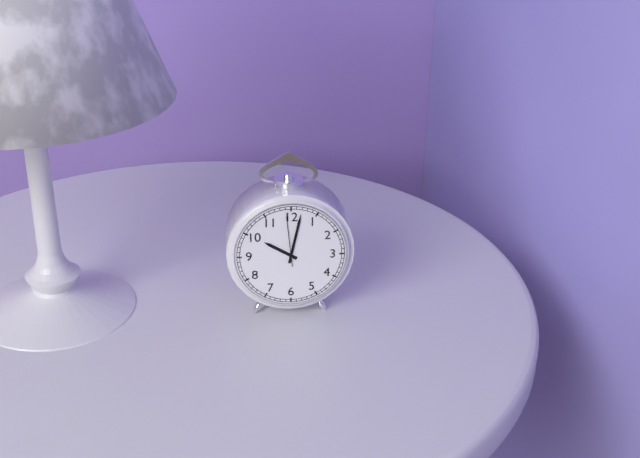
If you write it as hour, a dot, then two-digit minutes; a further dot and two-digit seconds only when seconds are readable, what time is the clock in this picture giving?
10.02.59
